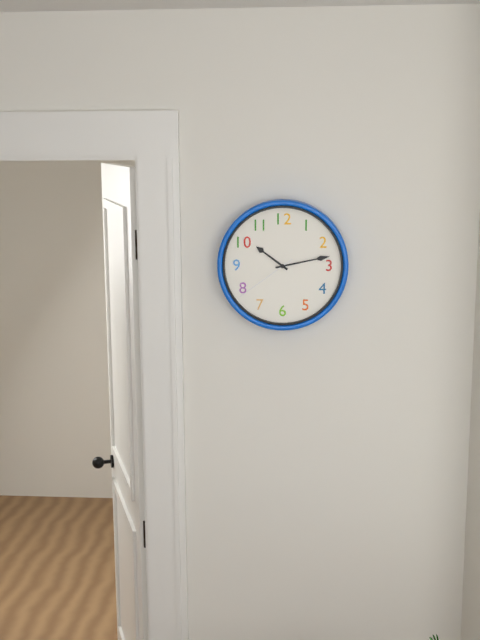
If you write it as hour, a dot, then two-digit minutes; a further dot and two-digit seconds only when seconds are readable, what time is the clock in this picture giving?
10.13.39
